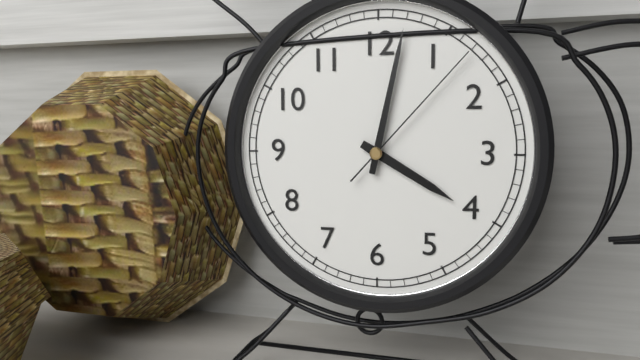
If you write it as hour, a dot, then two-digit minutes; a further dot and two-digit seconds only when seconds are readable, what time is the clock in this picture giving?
4.02.07
